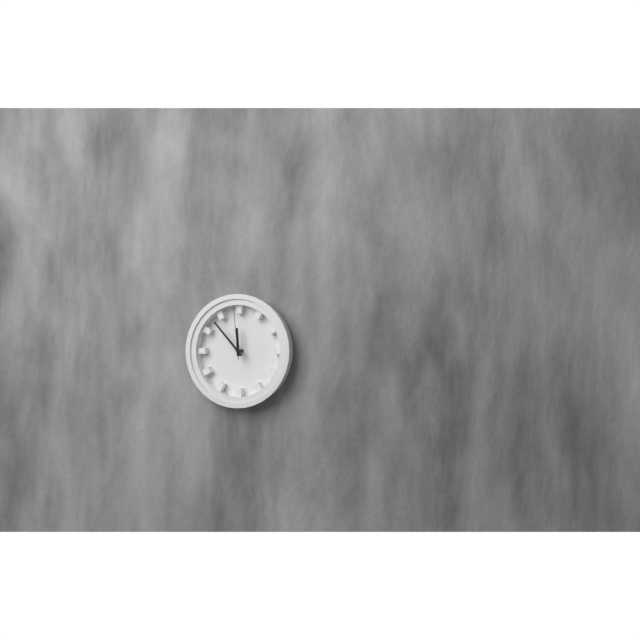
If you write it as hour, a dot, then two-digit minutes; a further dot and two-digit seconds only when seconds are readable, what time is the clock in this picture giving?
11.53.59
